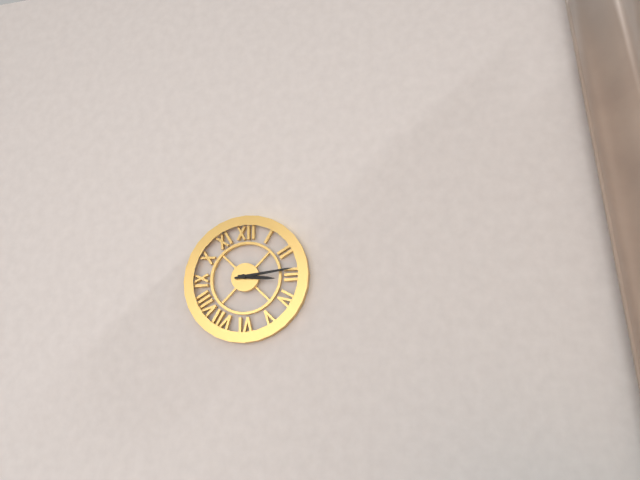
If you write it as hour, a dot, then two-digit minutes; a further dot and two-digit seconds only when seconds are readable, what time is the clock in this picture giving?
3.14
